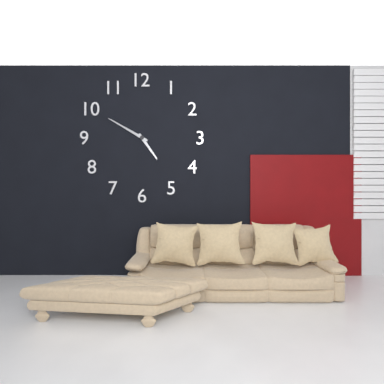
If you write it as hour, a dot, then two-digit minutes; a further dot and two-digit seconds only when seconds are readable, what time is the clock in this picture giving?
4.50
